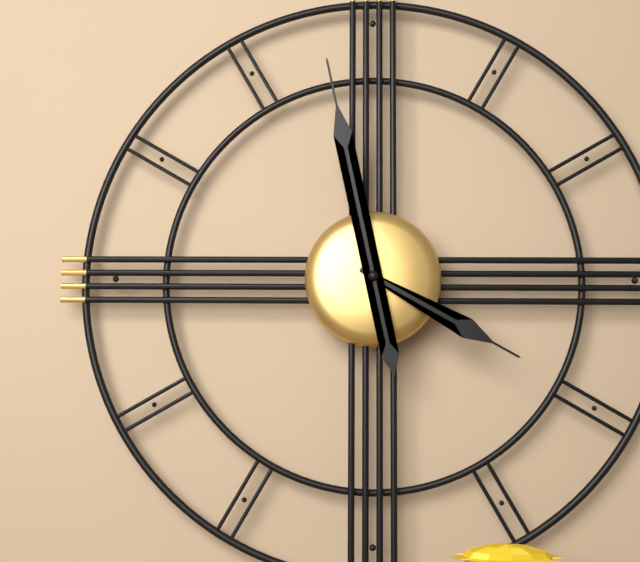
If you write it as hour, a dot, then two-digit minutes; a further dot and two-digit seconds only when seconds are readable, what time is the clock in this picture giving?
3.58
